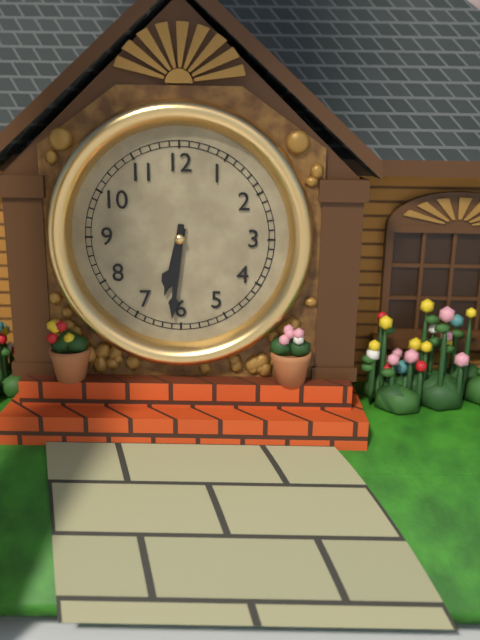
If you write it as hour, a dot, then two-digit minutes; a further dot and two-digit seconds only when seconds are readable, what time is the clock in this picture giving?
6.31
